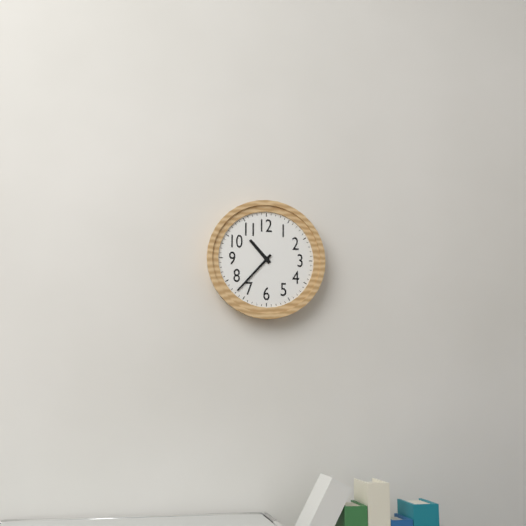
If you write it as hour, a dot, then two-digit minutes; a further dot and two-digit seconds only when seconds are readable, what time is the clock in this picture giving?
10.37
